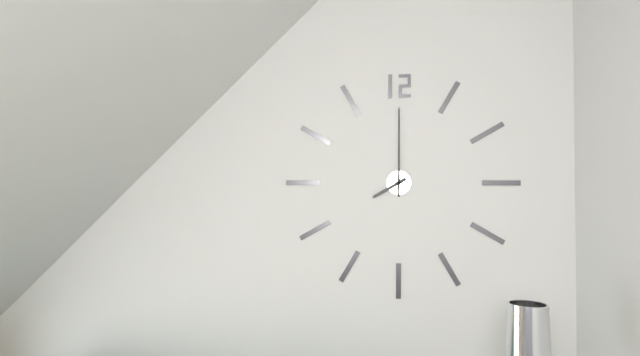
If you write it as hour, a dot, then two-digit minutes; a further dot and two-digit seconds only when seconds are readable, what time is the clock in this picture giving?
8.00
